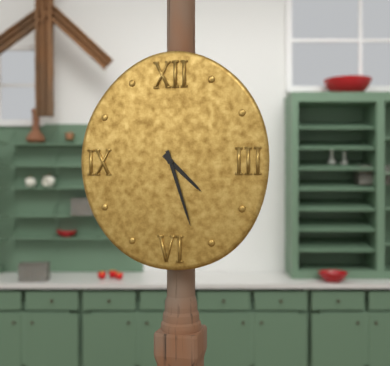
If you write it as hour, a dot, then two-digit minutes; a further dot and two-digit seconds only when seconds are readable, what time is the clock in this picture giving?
4.27
